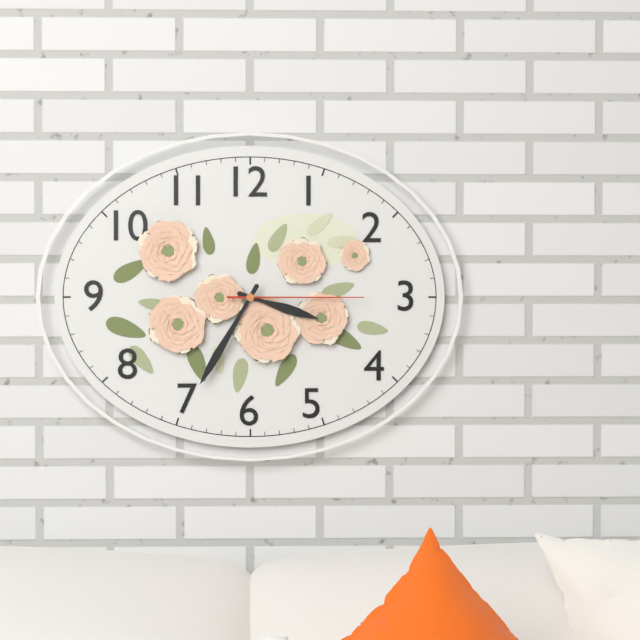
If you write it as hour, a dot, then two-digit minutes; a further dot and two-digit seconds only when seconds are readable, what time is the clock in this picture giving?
3.35.15
